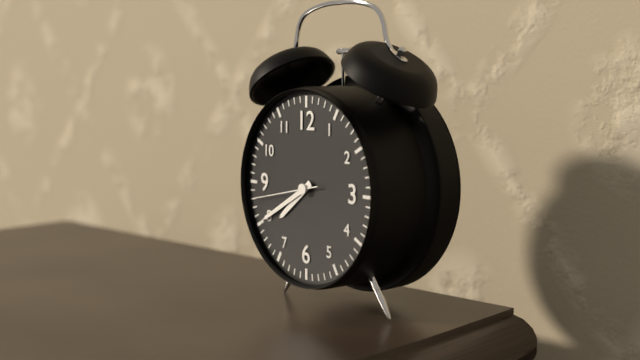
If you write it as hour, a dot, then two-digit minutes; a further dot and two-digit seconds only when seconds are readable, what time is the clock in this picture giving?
7.40.43
